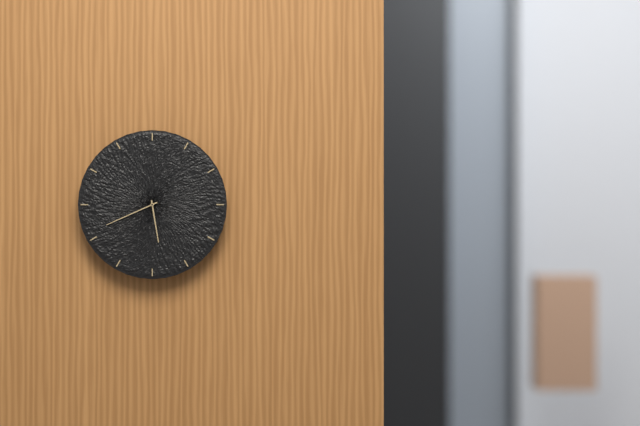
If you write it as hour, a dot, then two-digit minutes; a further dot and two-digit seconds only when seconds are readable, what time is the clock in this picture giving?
5.41
